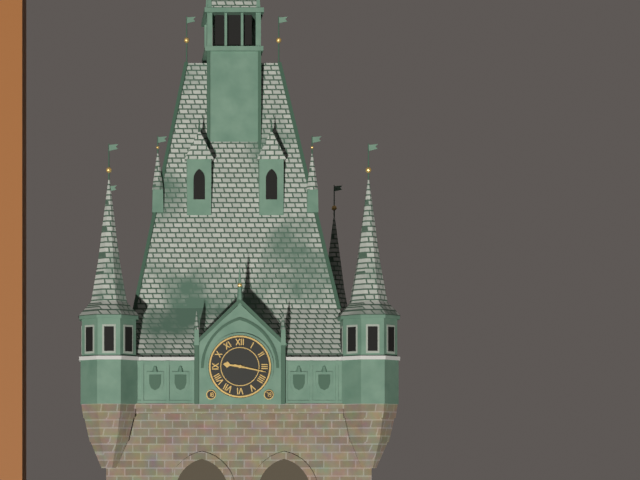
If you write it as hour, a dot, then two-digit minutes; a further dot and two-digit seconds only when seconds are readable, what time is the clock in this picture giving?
9.17
